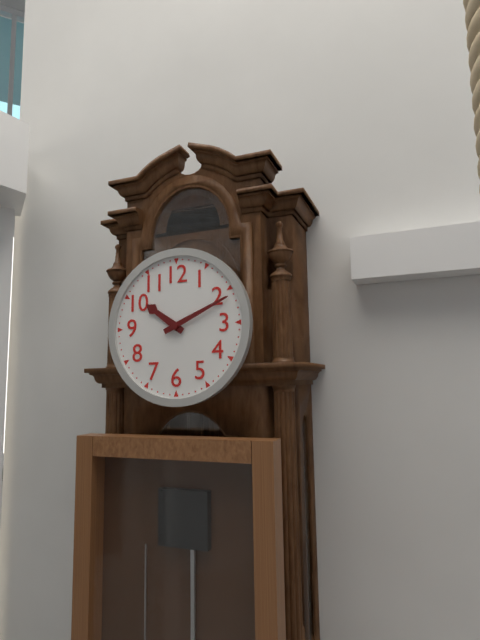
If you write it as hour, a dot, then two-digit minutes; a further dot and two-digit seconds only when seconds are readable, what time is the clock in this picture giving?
10.11
